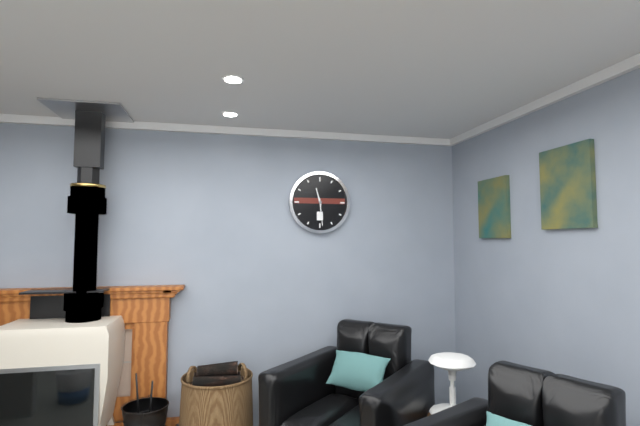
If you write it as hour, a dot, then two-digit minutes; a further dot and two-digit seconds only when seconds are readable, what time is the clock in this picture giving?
11.29
